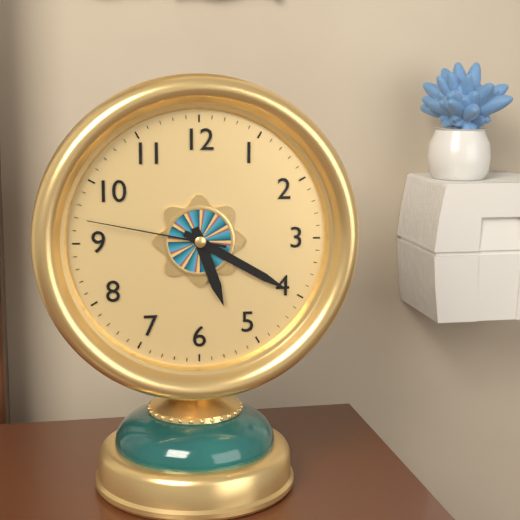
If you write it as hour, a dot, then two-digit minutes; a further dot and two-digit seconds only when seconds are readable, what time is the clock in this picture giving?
5.20.47
